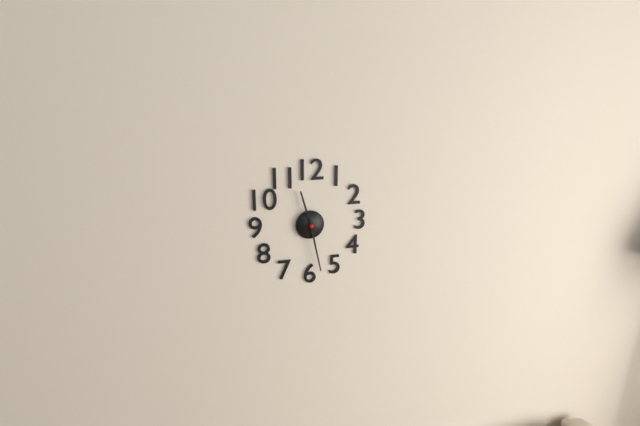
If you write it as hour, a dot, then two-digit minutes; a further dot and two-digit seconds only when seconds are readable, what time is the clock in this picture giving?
11.28
